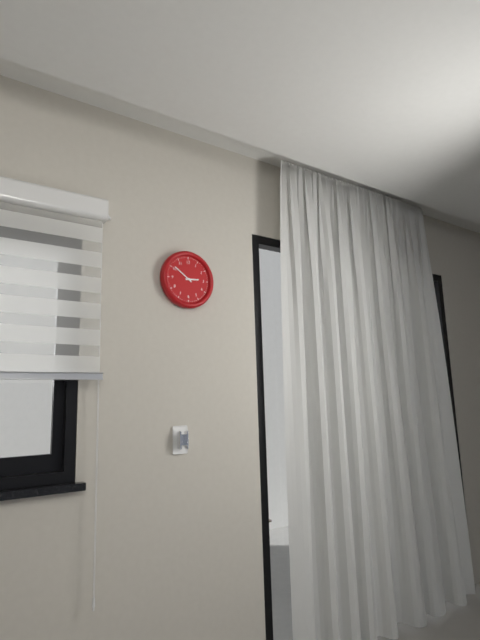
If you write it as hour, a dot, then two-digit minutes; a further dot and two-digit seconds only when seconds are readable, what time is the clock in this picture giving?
2.51
